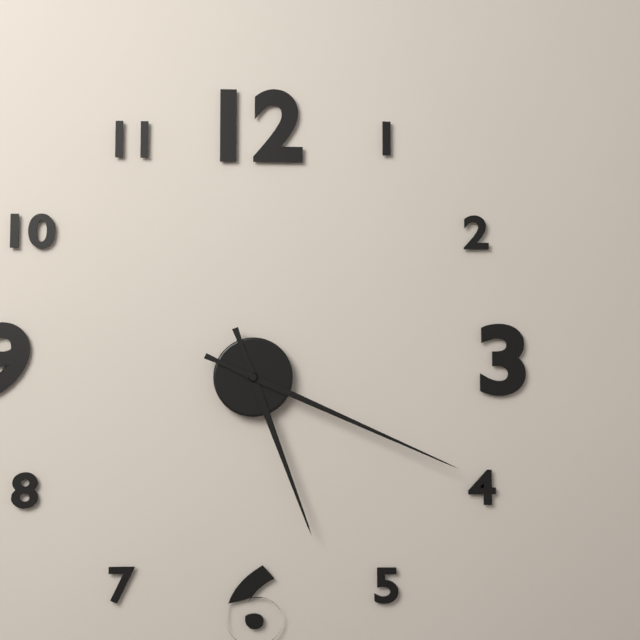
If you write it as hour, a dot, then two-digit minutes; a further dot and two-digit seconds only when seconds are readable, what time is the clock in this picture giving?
5.19
